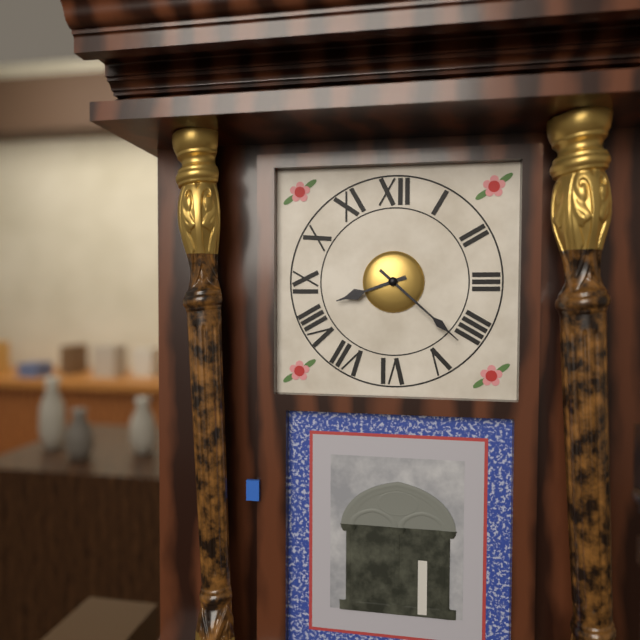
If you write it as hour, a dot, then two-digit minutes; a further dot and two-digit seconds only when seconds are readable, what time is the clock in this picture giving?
8.22
